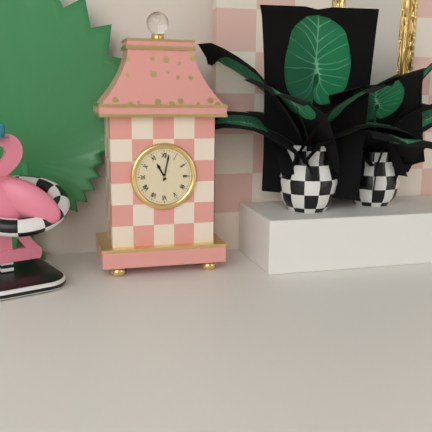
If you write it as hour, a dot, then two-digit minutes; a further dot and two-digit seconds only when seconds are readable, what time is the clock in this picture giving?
11.02
